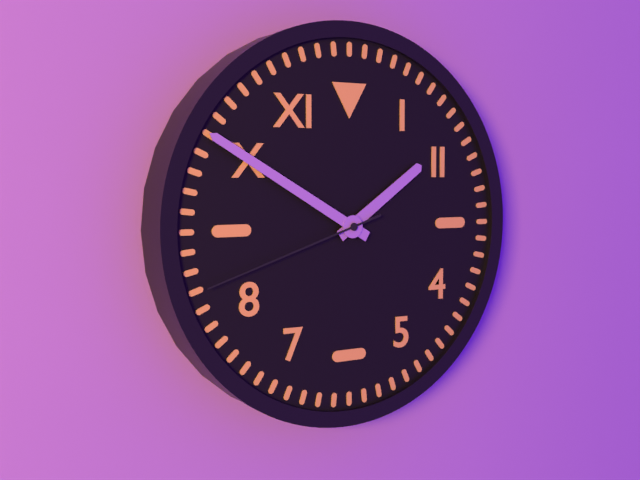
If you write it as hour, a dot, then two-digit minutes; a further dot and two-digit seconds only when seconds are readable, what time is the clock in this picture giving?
1.50.42
